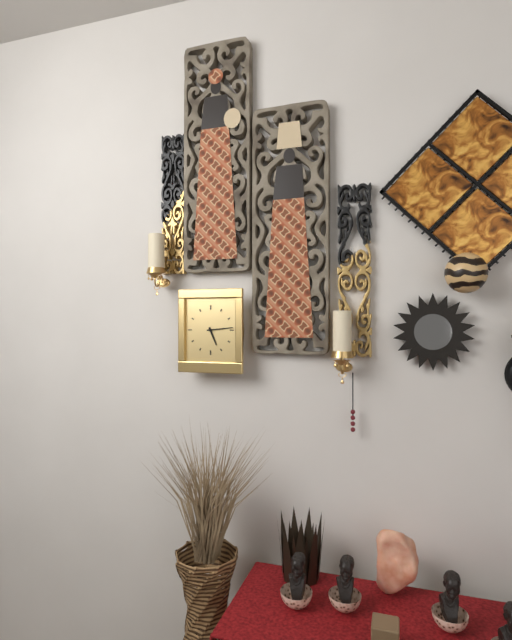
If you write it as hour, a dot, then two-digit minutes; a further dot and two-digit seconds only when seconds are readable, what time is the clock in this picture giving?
5.14
